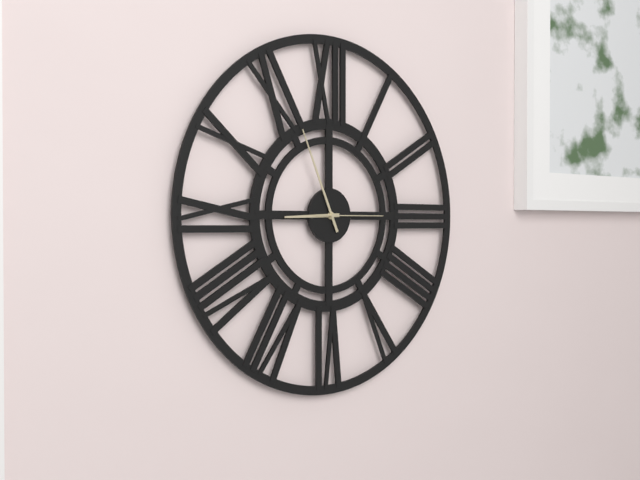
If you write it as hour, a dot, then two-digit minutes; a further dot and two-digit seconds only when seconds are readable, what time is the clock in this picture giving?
8.56.15
